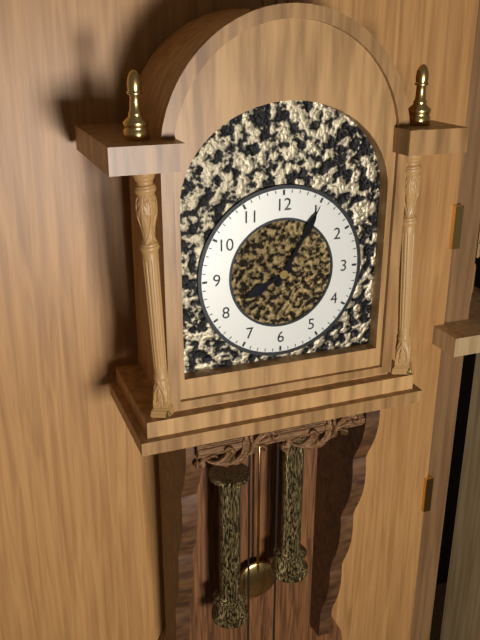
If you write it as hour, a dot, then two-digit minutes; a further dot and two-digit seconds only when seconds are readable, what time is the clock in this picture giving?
8.05
